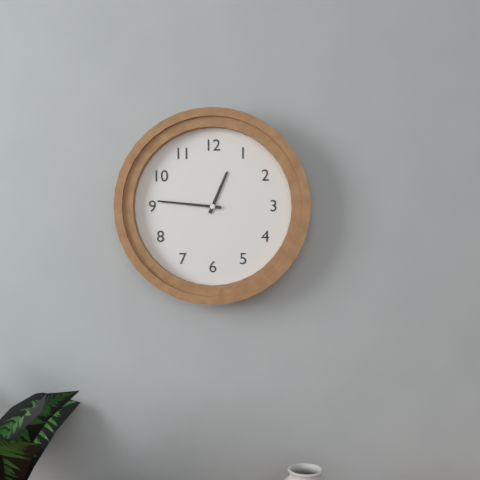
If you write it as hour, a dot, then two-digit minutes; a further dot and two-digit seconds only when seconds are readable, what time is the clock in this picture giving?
12.46
